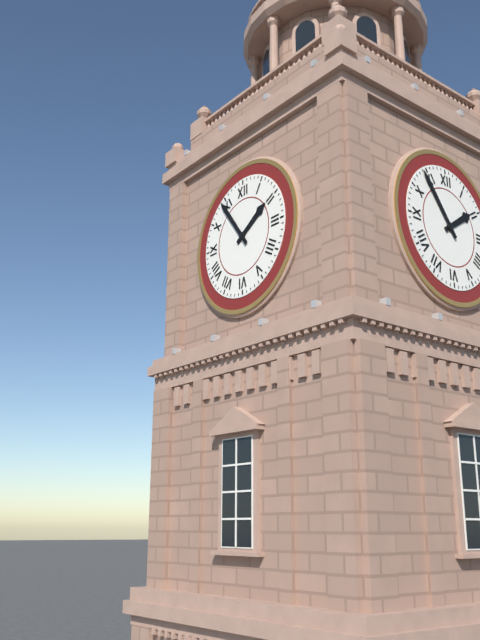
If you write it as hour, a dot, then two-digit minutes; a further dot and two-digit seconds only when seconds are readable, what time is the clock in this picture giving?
1.54
